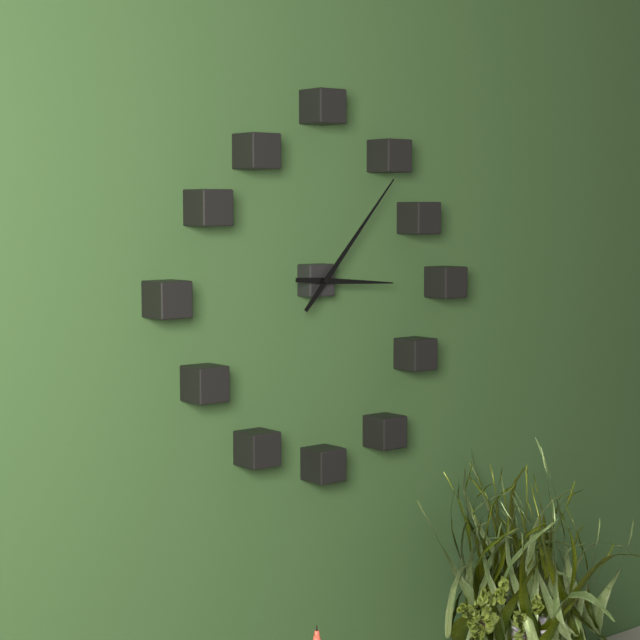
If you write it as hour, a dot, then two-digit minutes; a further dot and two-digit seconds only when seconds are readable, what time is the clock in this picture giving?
3.07
